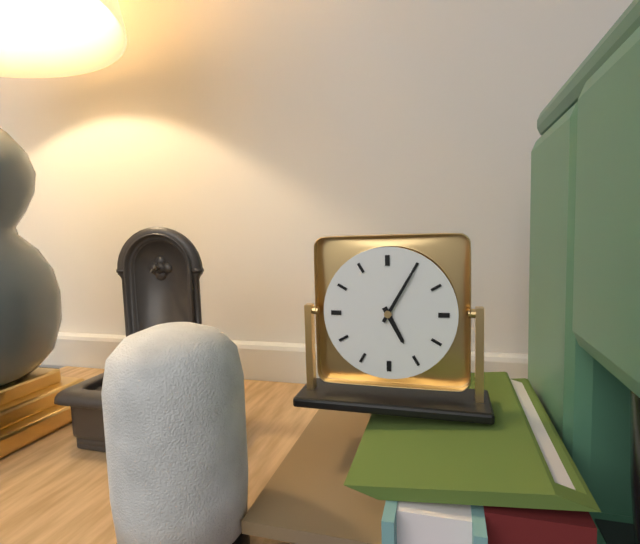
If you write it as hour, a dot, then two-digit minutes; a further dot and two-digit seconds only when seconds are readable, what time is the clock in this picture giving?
5.05
